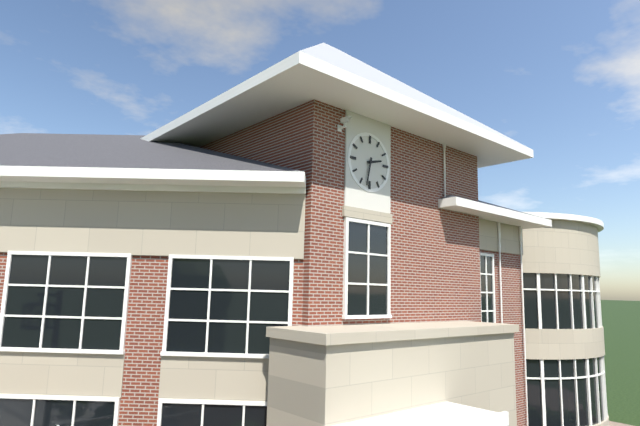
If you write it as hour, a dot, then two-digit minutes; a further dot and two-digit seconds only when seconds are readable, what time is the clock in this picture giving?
2.32
